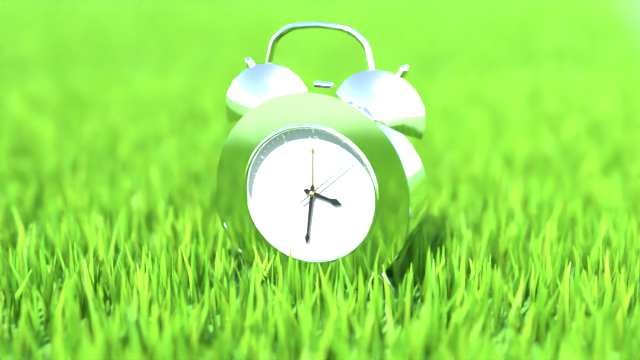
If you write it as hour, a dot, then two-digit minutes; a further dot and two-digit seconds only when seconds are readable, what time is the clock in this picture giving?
3.31.08
